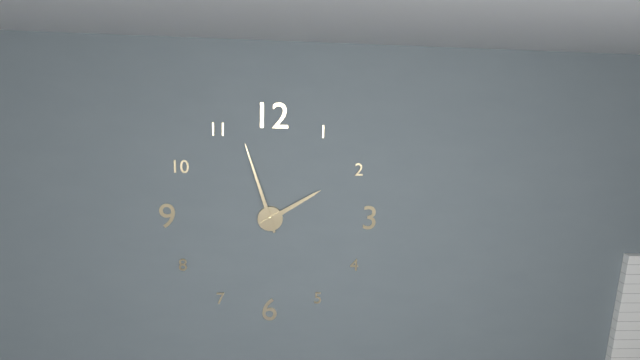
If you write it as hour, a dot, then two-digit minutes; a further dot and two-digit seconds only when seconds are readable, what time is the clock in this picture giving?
1.57
